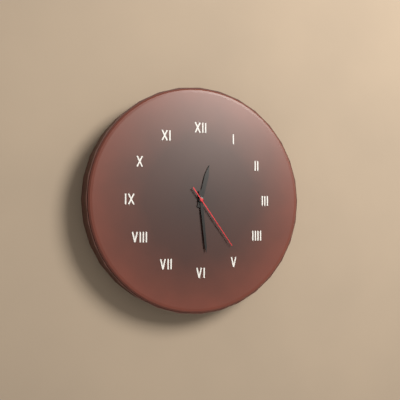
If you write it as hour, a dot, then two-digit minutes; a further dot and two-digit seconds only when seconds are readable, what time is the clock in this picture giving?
12.29.24
